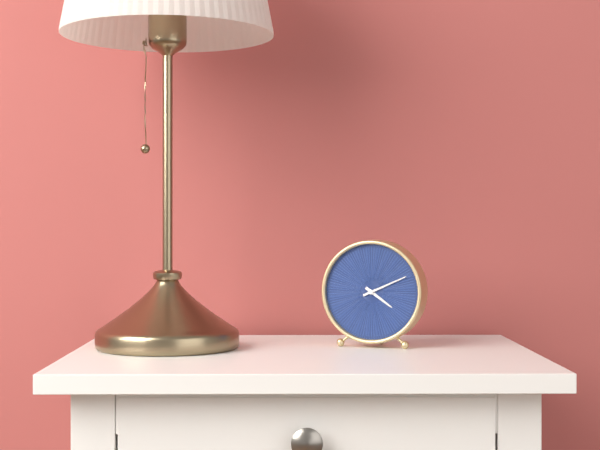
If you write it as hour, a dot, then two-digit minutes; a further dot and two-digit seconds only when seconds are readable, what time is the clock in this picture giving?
4.11
